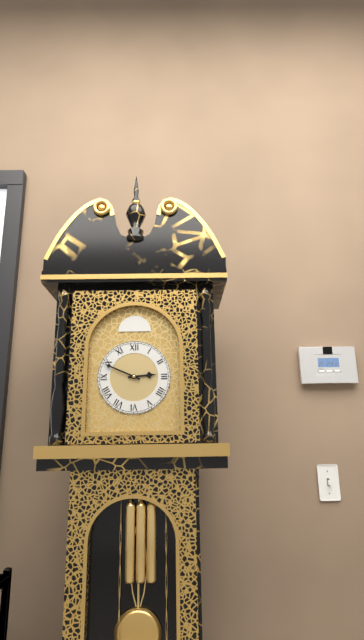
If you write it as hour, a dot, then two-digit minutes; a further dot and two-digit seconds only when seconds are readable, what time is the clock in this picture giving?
2.49
